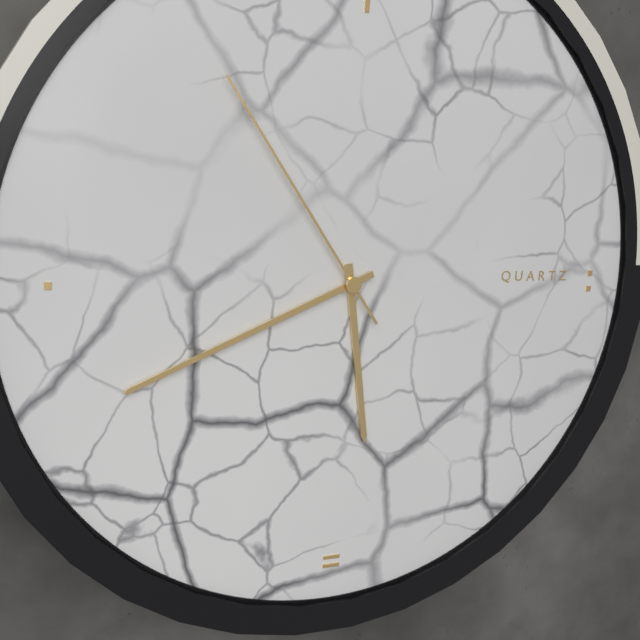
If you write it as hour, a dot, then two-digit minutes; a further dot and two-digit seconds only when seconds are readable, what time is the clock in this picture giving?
5.41.54
